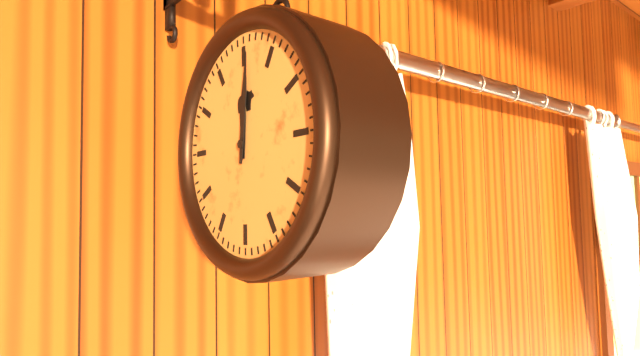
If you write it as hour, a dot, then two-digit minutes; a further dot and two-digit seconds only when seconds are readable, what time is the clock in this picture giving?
12.01
